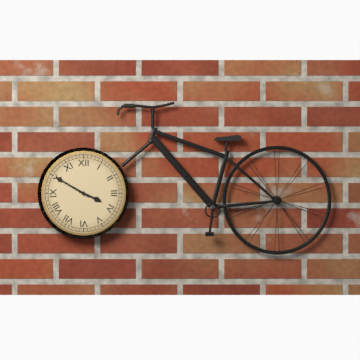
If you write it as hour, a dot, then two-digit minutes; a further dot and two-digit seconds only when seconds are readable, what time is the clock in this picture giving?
3.50
